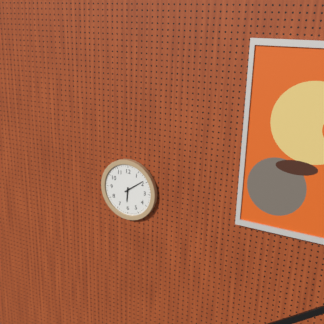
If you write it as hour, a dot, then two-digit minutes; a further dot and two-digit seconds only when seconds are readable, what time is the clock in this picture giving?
6.09
